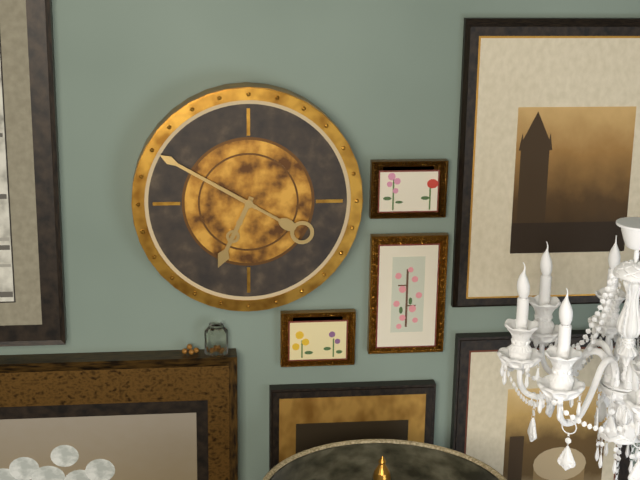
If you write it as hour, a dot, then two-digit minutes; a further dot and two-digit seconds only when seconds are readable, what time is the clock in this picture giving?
6.50
